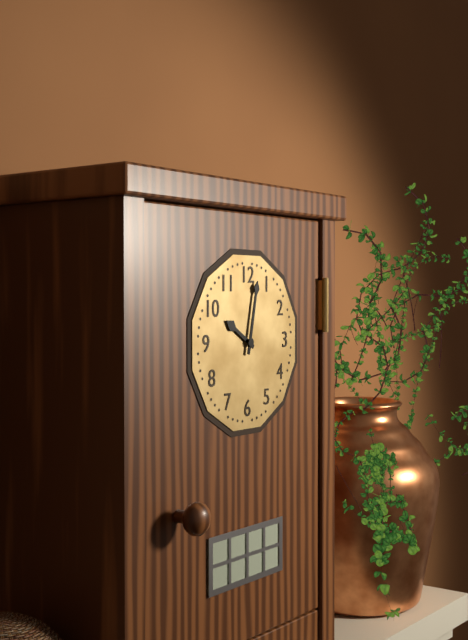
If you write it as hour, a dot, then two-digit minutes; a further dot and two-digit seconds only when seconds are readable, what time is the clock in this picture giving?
10.02
